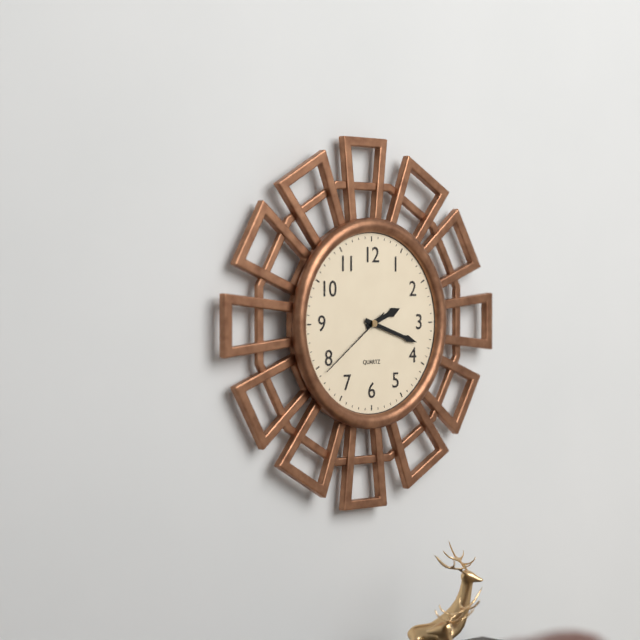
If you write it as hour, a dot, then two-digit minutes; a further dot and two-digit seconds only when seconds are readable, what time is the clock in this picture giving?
2.18.39
